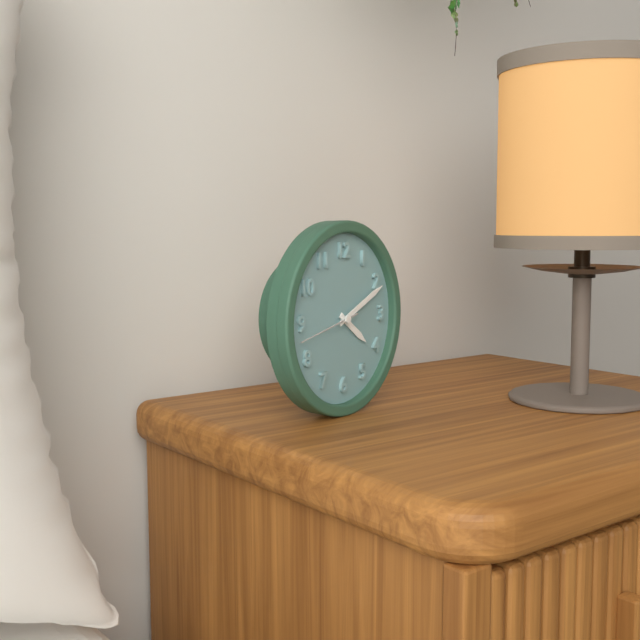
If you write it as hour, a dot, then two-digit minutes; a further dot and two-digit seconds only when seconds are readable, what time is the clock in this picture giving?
4.11.43
